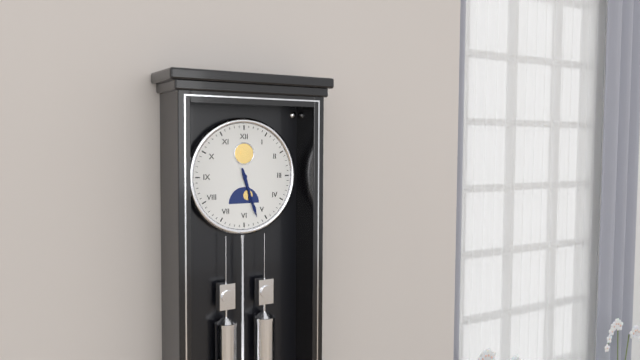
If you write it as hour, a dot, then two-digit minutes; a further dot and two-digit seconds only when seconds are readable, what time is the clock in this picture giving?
5.27
